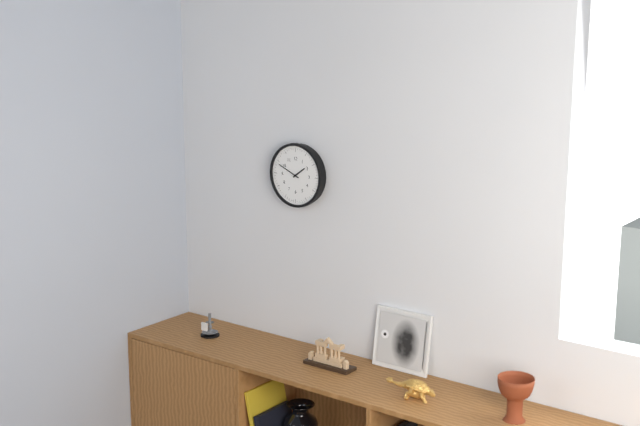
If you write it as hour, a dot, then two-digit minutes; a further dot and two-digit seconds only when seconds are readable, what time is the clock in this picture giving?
1.49
